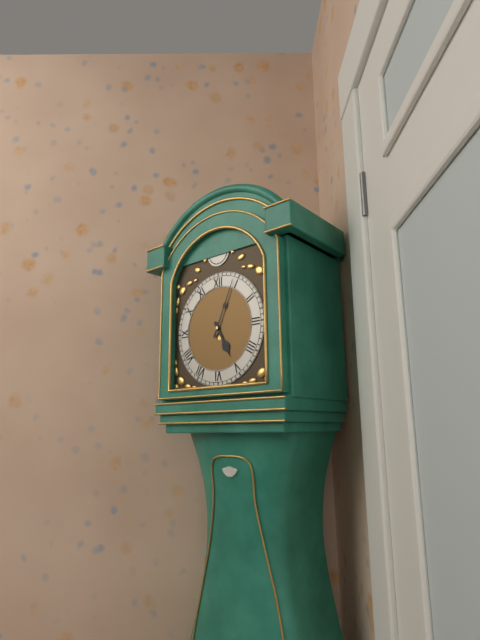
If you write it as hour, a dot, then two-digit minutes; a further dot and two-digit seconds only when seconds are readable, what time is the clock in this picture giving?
5.04
